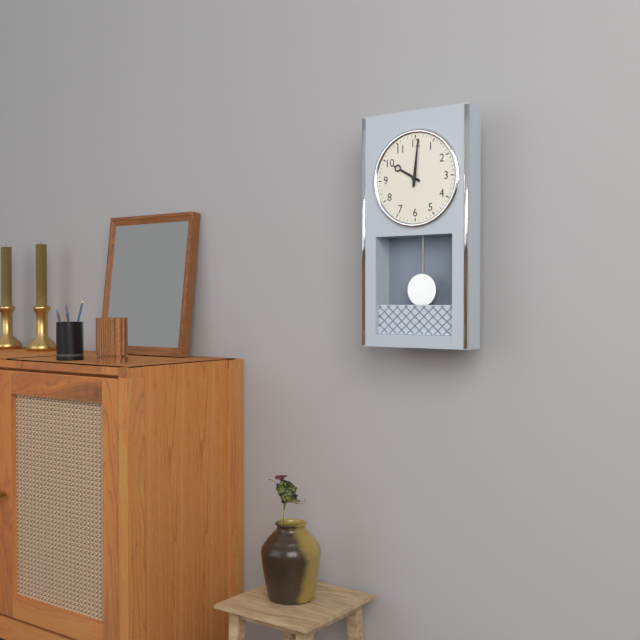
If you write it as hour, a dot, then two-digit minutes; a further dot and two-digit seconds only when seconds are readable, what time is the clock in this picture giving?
10.01
